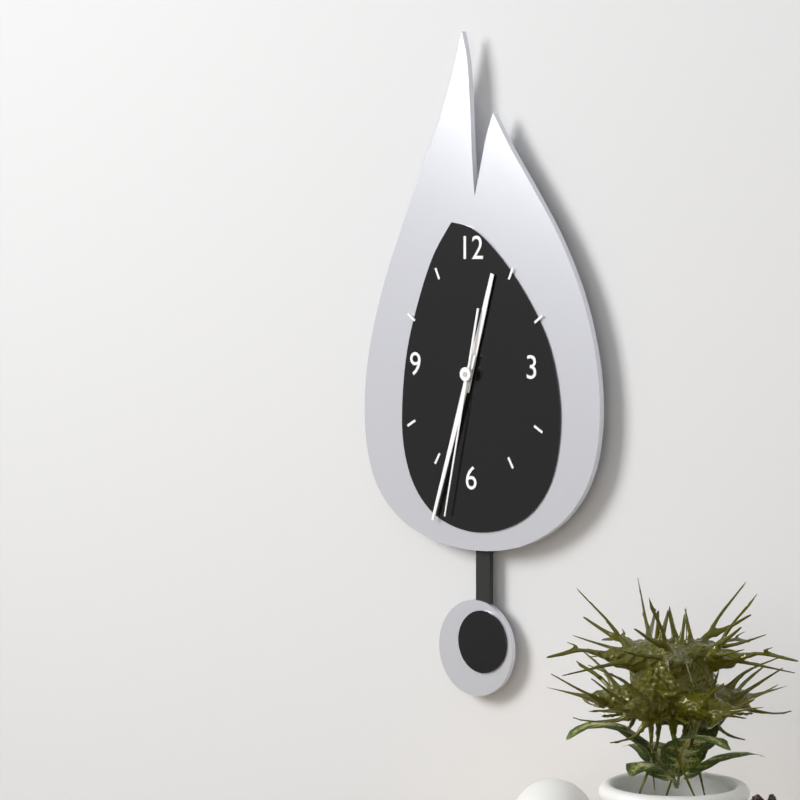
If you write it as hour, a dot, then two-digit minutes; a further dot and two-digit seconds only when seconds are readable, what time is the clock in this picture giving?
12.33.32
